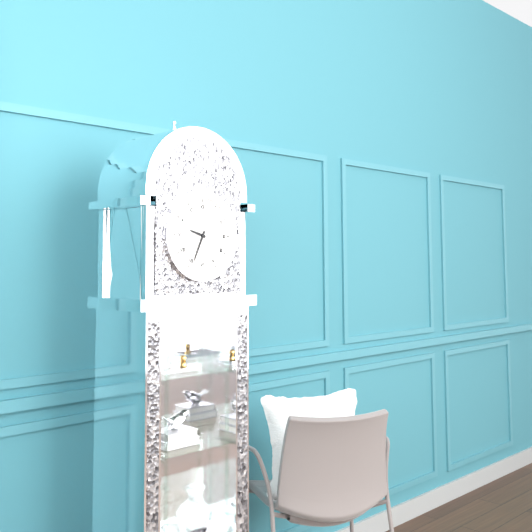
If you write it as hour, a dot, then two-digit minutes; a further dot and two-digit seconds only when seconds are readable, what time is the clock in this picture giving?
9.34
